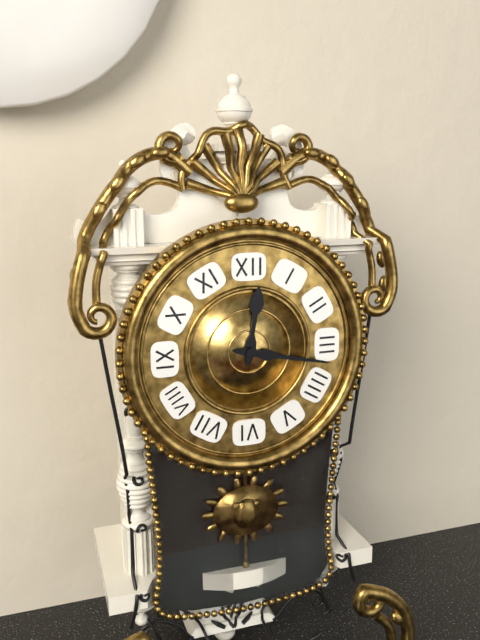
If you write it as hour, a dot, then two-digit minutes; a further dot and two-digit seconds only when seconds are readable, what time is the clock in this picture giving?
12.17
